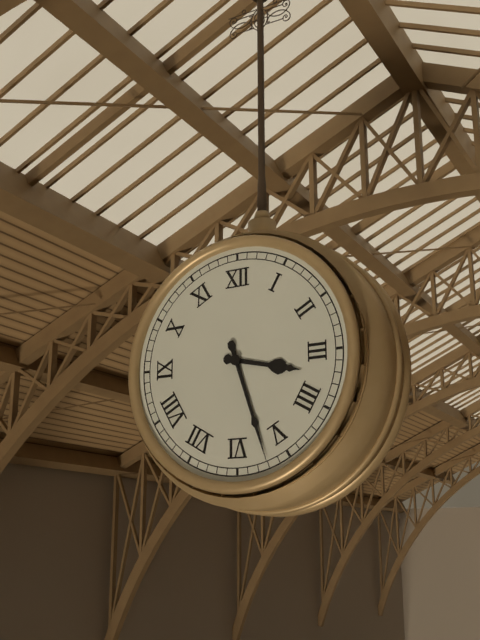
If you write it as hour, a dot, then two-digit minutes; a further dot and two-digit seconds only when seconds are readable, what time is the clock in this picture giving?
3.27
